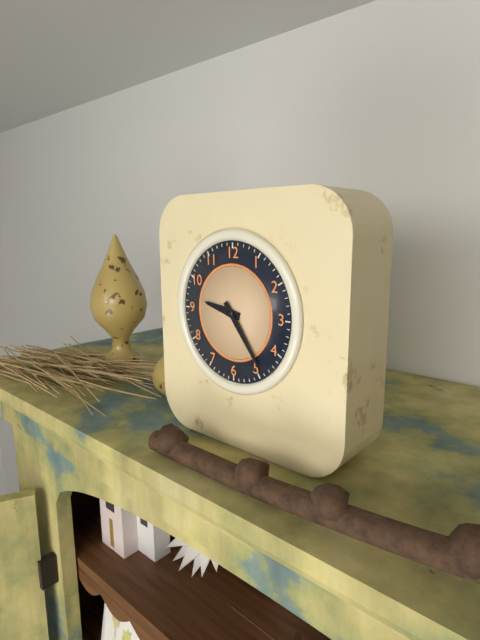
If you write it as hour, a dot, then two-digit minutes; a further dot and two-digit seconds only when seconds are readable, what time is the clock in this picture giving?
9.24
